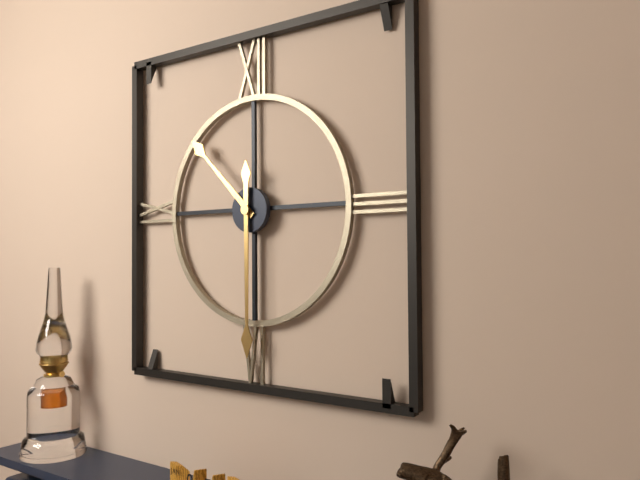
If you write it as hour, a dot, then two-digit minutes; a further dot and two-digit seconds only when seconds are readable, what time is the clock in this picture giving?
10.30
